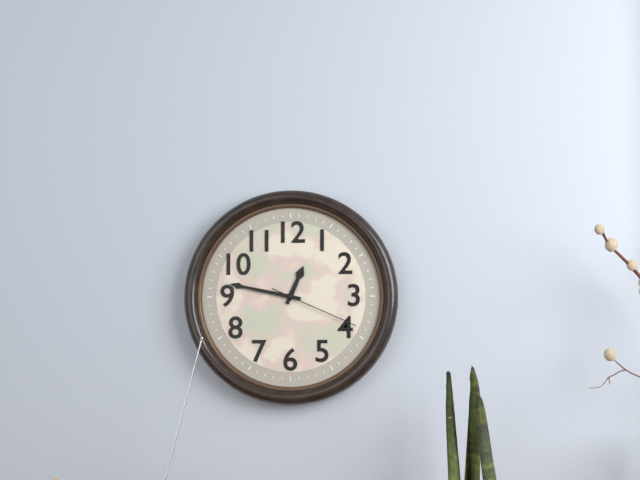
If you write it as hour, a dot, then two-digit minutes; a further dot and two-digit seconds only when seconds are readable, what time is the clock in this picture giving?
12.47.19
